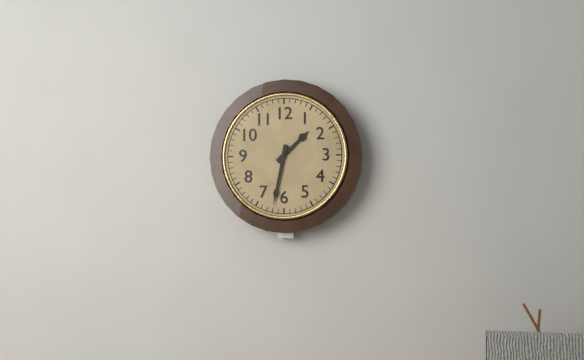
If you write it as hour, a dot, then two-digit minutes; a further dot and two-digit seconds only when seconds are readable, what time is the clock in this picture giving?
1.32
